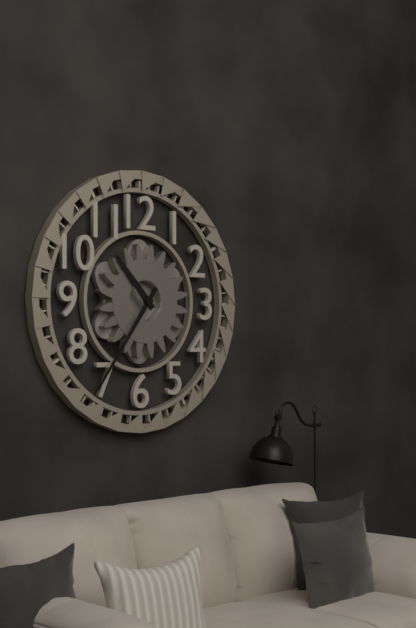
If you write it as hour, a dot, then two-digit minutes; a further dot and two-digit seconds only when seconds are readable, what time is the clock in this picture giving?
10.36
